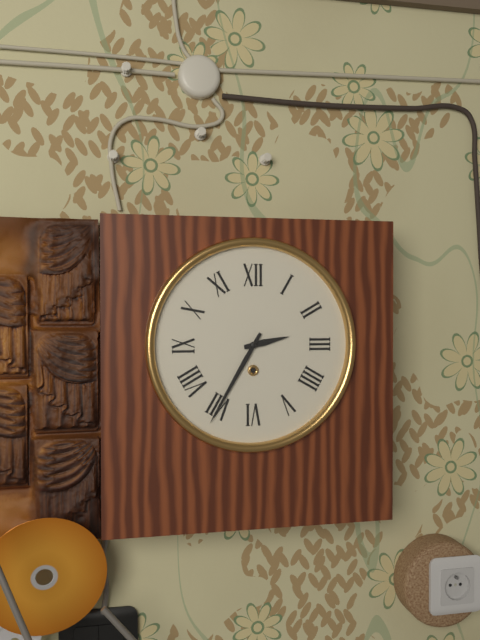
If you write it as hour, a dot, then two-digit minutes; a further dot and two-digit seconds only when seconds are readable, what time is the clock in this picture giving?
2.35
